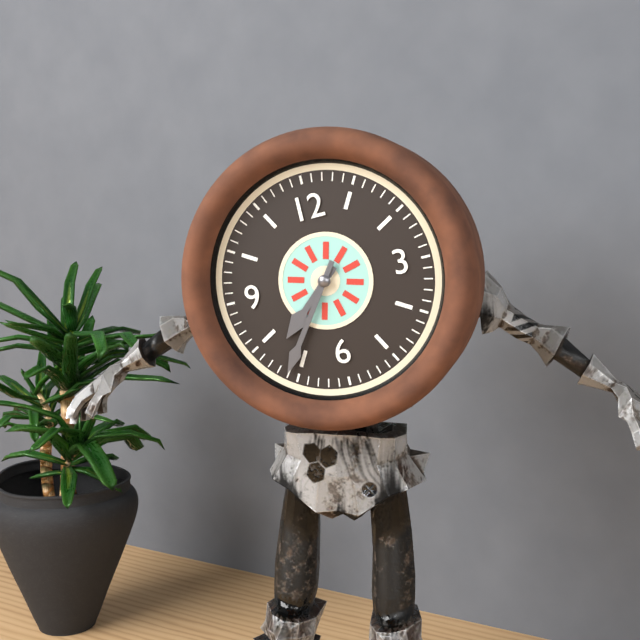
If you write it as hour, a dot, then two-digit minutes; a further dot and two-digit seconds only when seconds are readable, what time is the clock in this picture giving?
7.36
